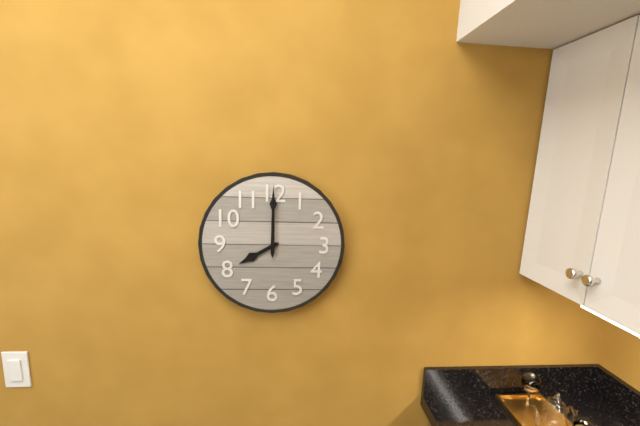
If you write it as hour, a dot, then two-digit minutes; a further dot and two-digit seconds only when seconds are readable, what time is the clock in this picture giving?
8.00
